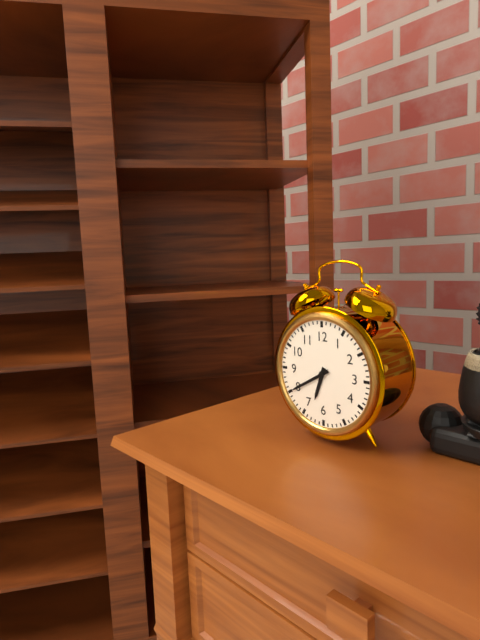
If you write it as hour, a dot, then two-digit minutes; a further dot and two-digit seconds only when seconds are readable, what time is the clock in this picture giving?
6.40
